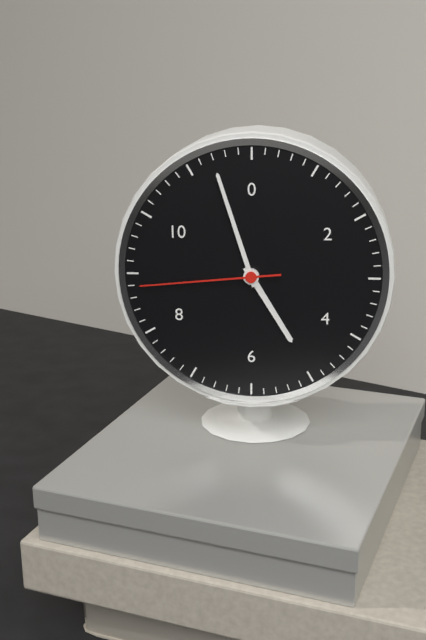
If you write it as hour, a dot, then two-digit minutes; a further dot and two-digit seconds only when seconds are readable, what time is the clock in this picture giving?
4.57.44
